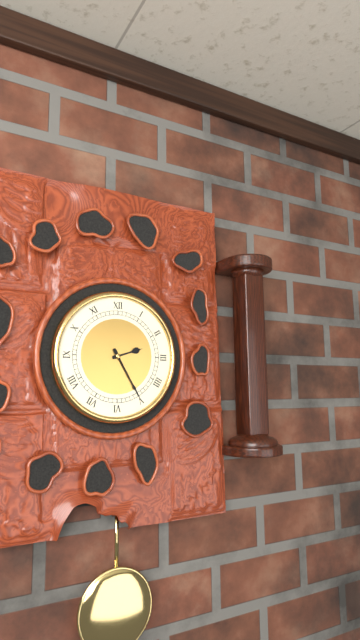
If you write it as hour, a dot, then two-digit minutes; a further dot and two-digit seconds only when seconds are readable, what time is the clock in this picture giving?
2.25
